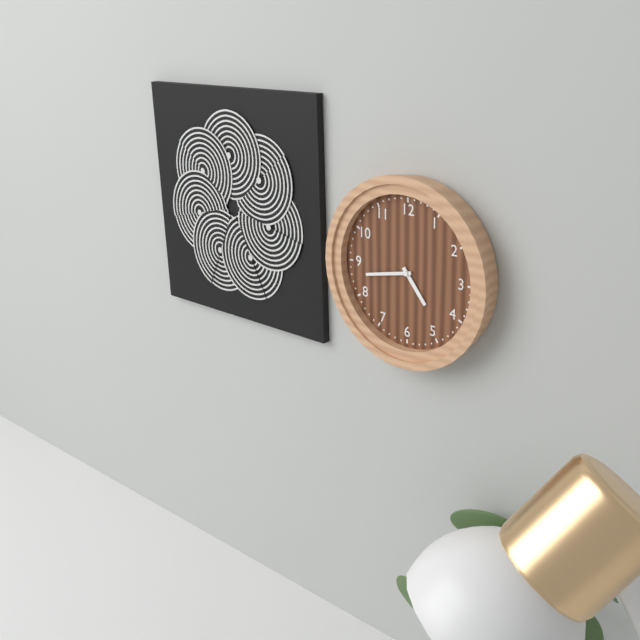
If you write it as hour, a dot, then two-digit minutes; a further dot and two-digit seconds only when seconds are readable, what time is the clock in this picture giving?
4.43
